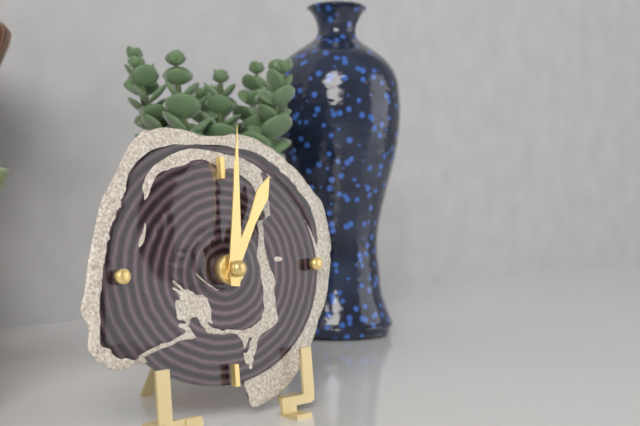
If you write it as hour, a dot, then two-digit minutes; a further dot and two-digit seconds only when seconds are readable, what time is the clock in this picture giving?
1.01
